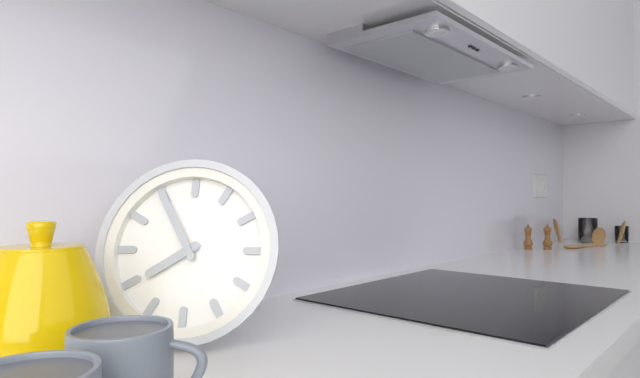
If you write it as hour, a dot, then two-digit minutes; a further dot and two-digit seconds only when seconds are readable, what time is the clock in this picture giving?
7.55
